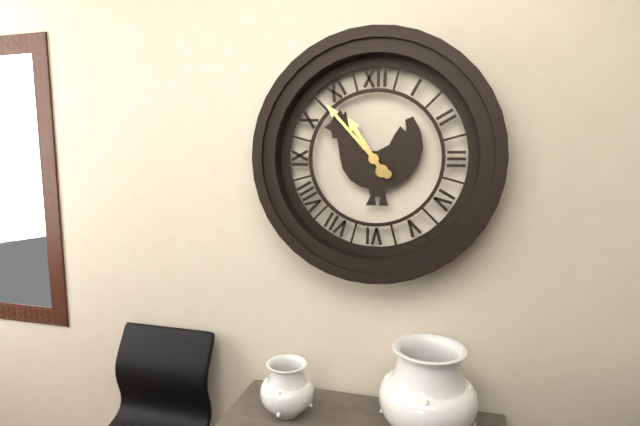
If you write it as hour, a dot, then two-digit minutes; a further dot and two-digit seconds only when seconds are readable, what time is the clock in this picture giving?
10.53
